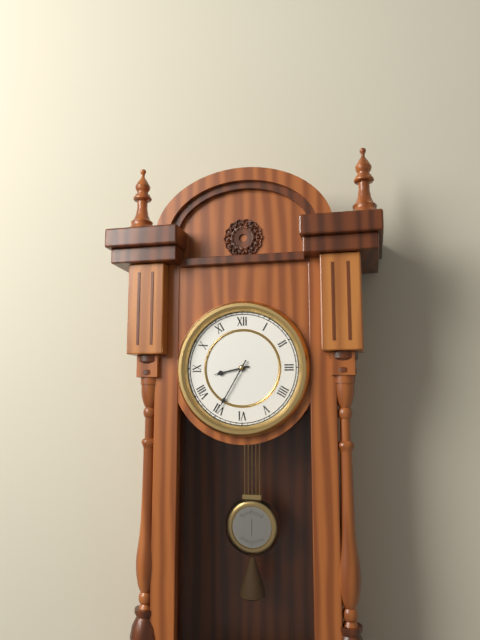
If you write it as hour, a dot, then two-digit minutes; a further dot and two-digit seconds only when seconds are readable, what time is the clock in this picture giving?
8.35
